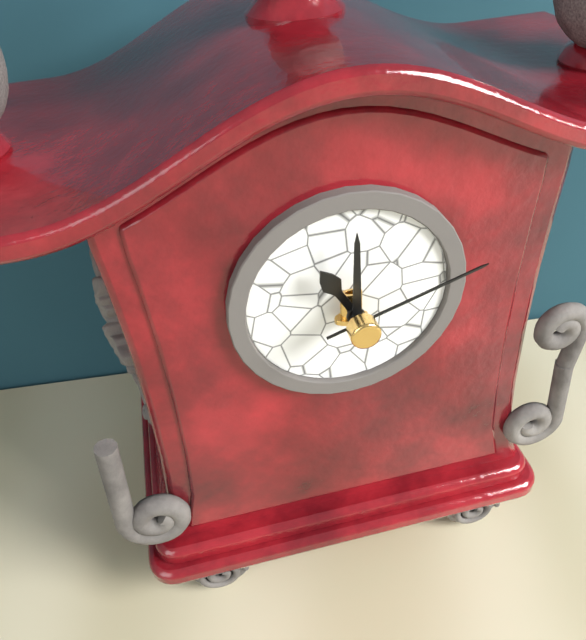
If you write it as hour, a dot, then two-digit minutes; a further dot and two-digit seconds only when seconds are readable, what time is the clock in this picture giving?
11.00.12
